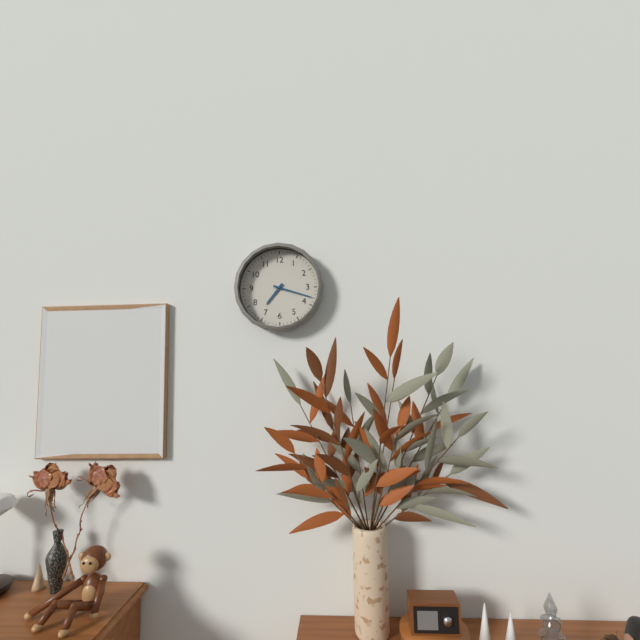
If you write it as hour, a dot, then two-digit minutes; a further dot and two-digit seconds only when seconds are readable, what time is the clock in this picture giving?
7.18
